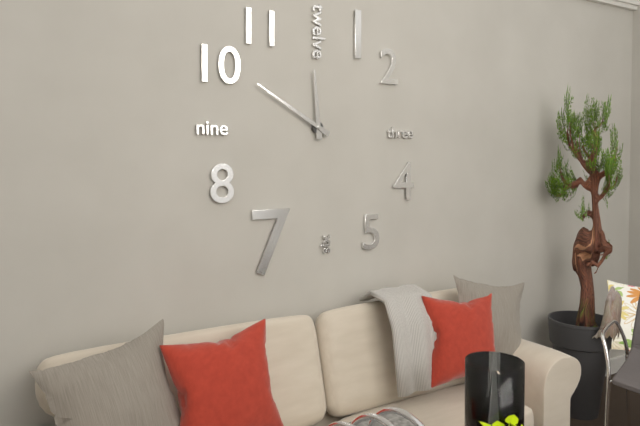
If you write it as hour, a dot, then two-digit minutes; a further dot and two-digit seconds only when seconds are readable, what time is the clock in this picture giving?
11.50
